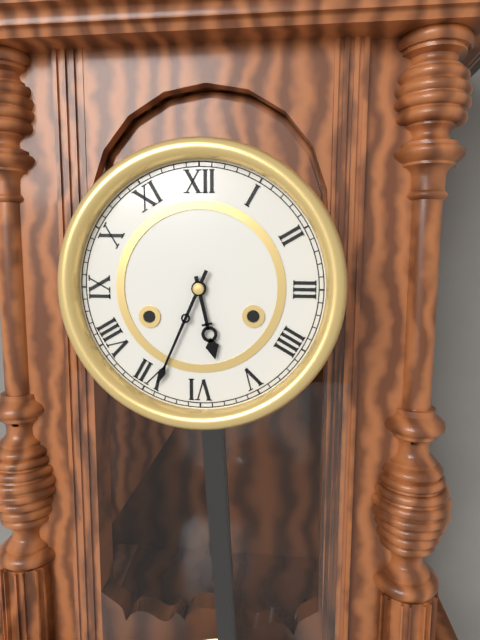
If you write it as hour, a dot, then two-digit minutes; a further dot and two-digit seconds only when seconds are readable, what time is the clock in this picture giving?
5.34
